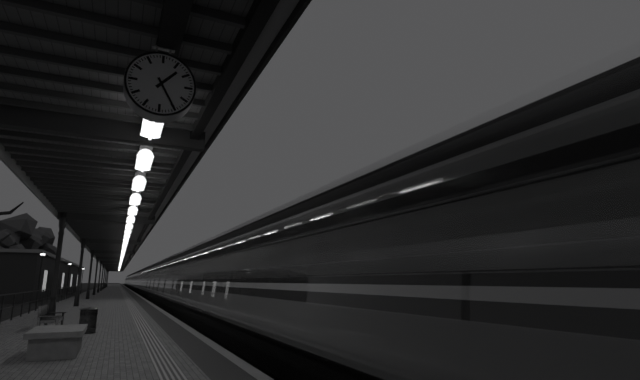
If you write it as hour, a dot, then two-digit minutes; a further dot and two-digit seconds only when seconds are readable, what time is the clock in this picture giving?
1.25
